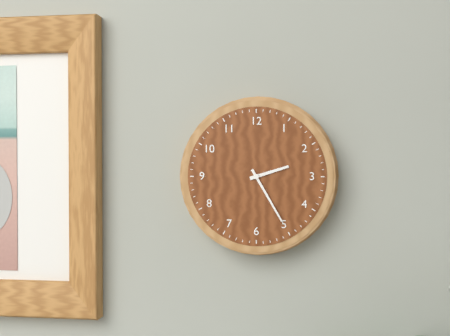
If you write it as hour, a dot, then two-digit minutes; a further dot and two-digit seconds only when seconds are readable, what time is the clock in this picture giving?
2.25
